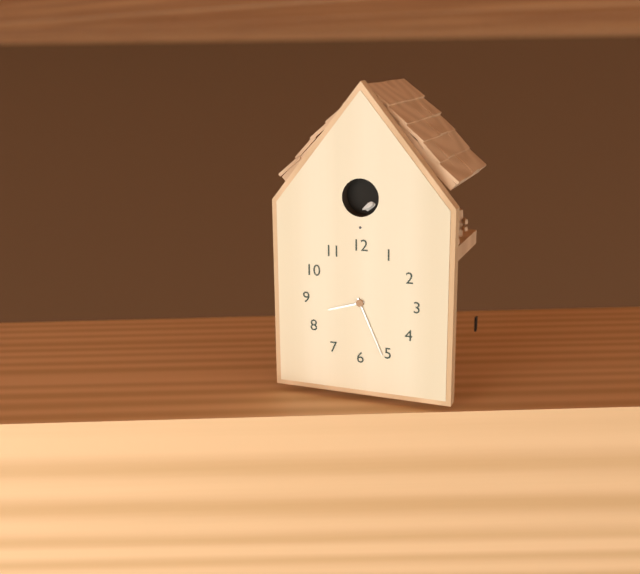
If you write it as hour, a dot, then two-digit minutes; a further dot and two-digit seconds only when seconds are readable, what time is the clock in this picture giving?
8.26
